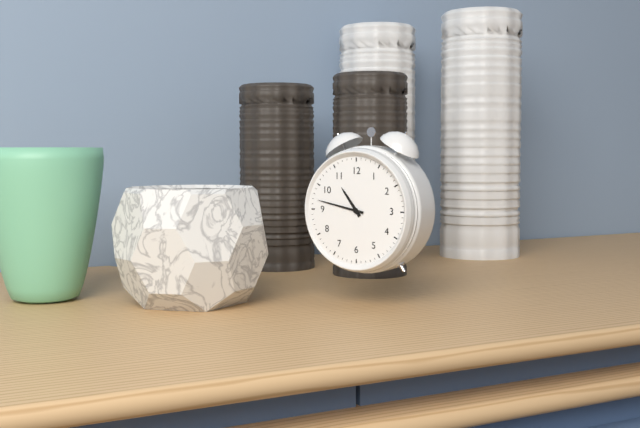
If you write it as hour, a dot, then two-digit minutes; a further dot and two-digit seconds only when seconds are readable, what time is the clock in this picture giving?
10.47
